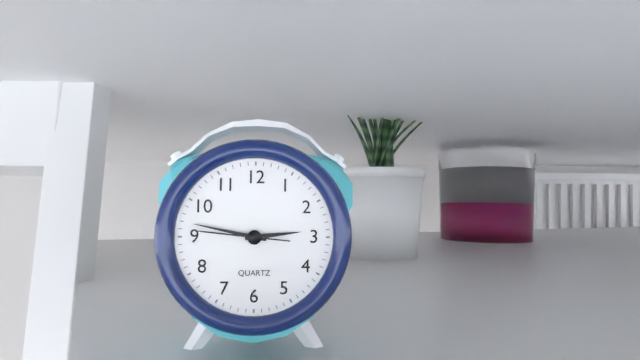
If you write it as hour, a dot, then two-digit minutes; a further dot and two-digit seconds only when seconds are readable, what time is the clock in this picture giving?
2.47.46
